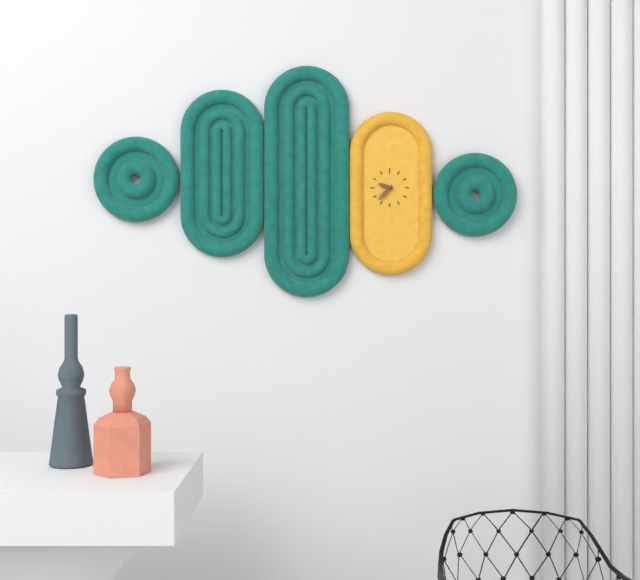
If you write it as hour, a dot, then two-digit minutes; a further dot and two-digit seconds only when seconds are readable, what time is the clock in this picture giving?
9.37
